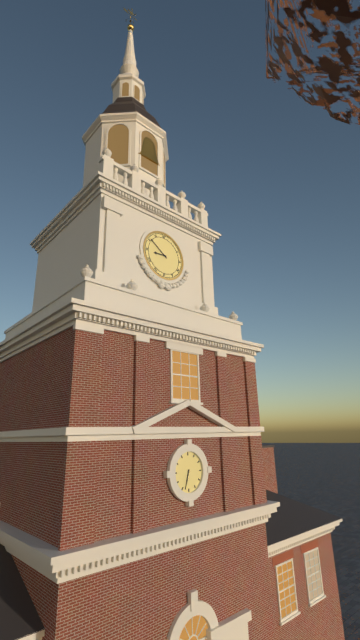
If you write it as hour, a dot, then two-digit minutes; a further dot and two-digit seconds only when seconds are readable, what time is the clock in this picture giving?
8.51
